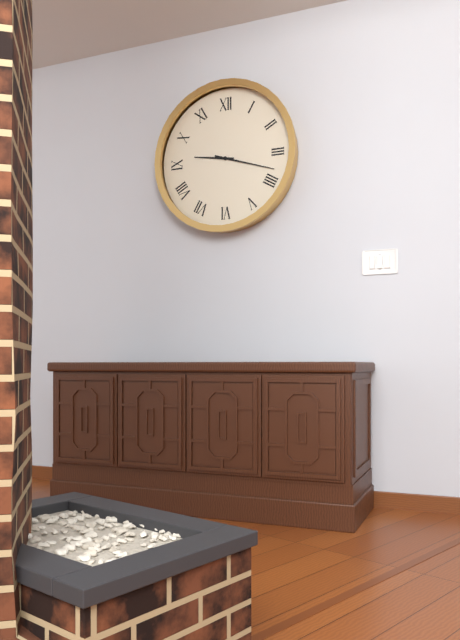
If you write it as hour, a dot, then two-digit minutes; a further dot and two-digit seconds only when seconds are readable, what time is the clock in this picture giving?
9.18
